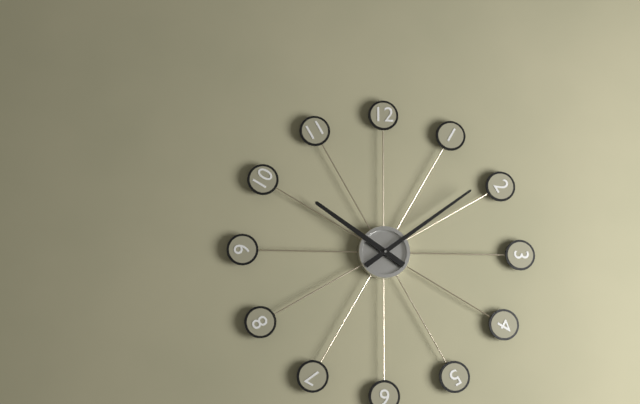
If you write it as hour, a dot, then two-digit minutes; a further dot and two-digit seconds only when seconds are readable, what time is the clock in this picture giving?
10.09
